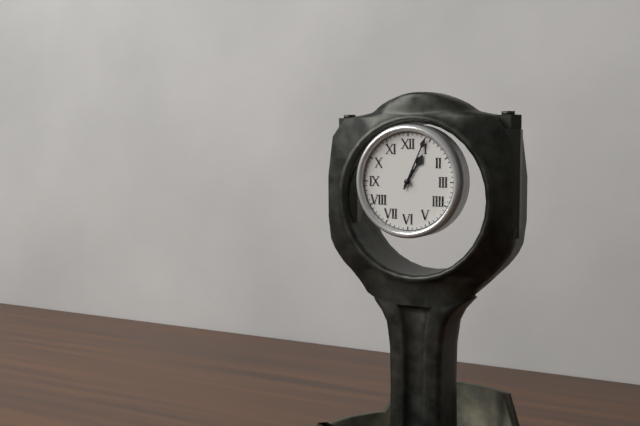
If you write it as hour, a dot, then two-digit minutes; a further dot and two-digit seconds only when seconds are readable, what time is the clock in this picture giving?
1.04
